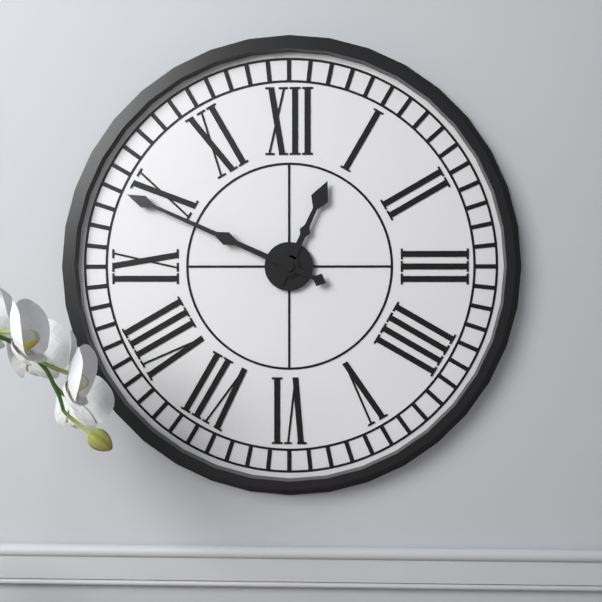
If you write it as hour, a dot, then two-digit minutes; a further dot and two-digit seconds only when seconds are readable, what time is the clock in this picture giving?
12.49
